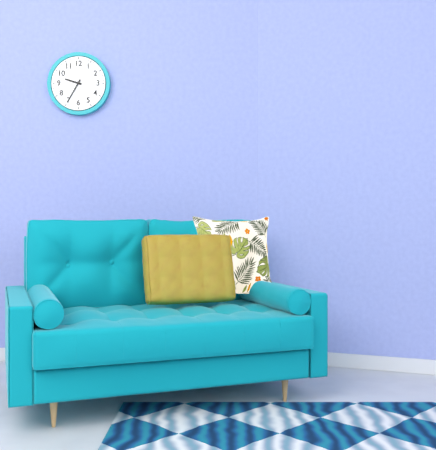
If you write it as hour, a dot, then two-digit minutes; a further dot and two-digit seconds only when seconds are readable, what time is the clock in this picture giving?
9.35
